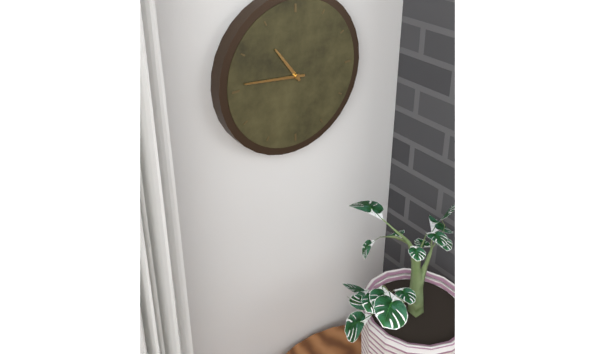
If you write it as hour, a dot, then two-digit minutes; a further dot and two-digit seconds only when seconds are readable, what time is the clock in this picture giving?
10.46
